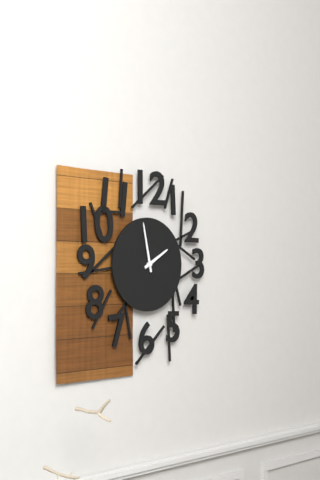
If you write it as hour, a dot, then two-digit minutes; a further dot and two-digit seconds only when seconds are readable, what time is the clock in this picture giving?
1.58
